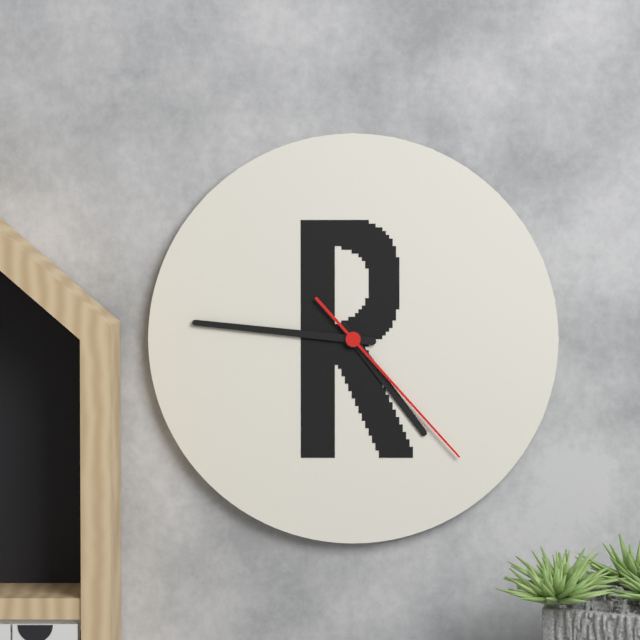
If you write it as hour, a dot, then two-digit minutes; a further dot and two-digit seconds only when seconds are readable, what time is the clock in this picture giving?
4.46.23
